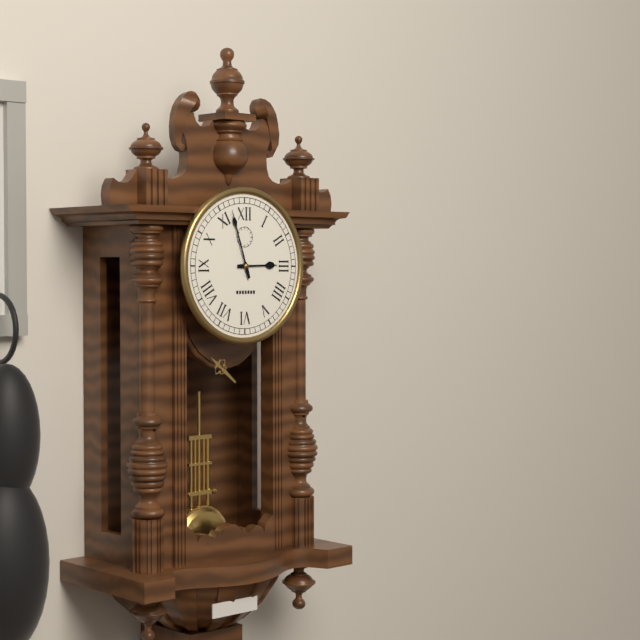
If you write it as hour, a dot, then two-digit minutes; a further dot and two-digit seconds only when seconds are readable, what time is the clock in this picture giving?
2.57
